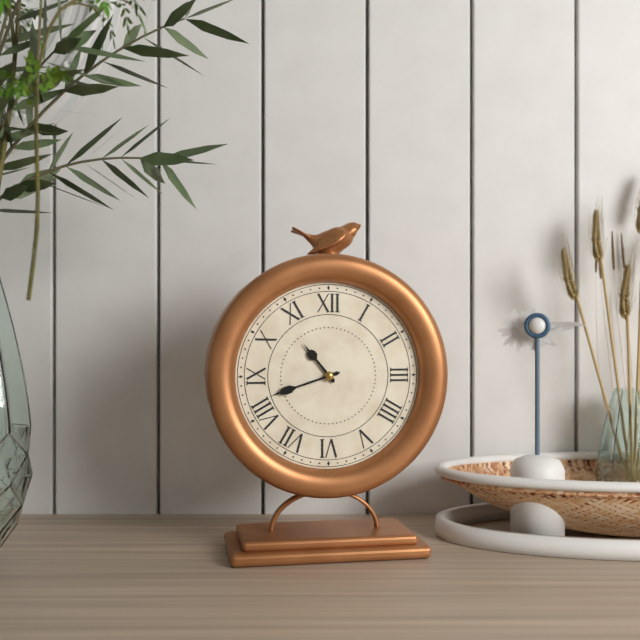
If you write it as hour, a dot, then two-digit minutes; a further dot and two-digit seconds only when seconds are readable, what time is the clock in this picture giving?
10.42
